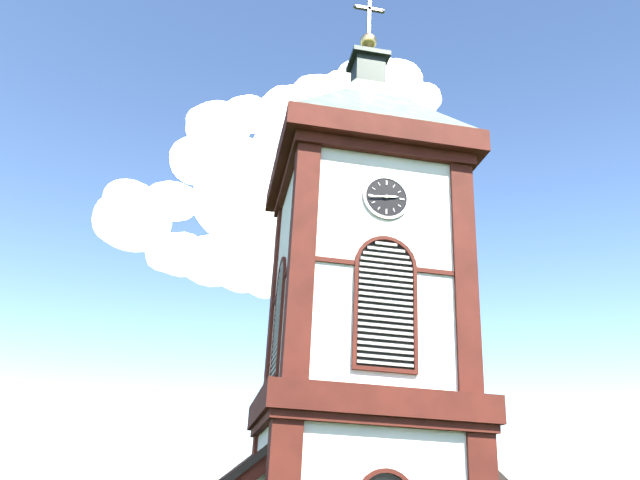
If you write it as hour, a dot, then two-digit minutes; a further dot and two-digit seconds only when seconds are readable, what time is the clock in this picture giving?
2.44
